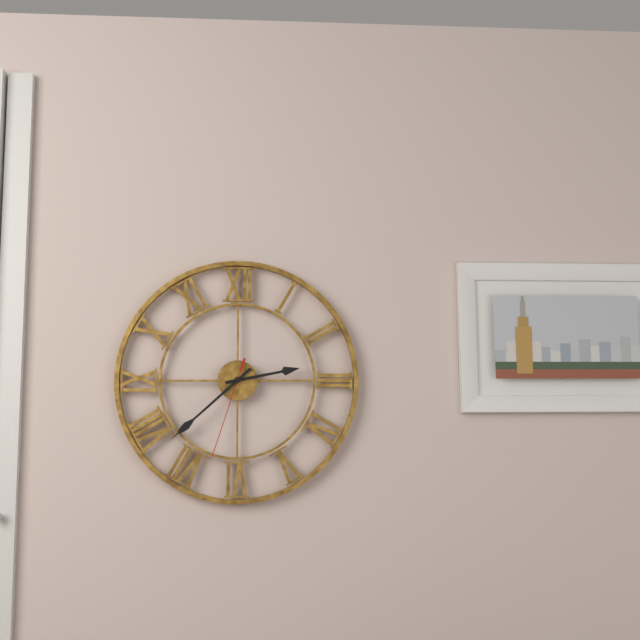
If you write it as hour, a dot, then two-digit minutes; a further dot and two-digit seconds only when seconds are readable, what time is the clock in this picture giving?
2.38.33
